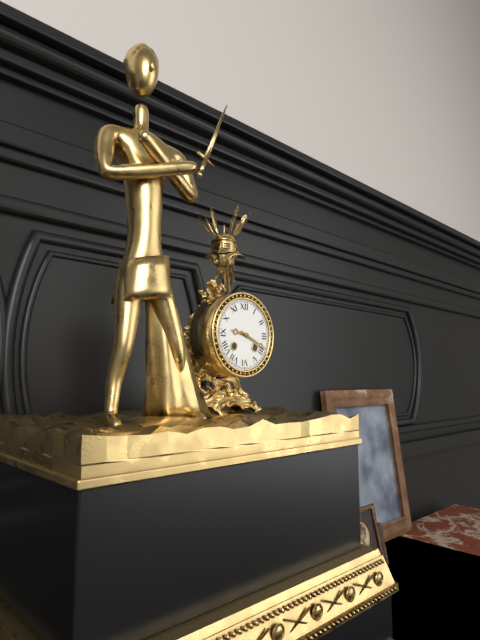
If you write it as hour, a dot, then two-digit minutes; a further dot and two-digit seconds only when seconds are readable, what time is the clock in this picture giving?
9.19
